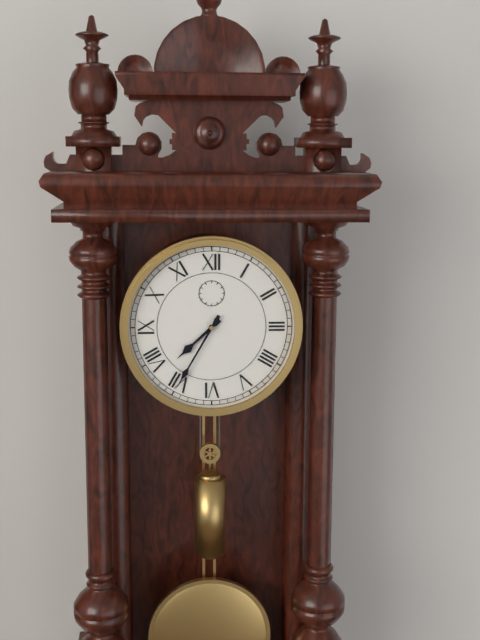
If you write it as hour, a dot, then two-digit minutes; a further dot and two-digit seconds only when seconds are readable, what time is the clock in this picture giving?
7.35
